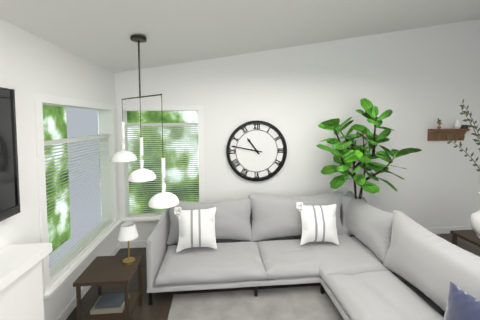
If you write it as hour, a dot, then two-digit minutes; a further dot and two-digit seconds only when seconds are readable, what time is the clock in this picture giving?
10.47
